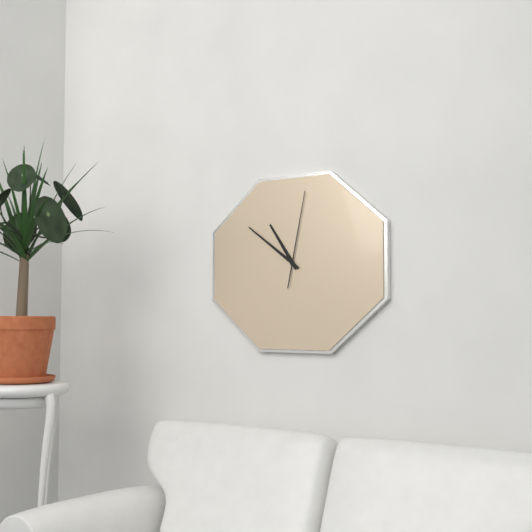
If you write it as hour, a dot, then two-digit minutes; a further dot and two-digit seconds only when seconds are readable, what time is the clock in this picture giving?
10.51.02
